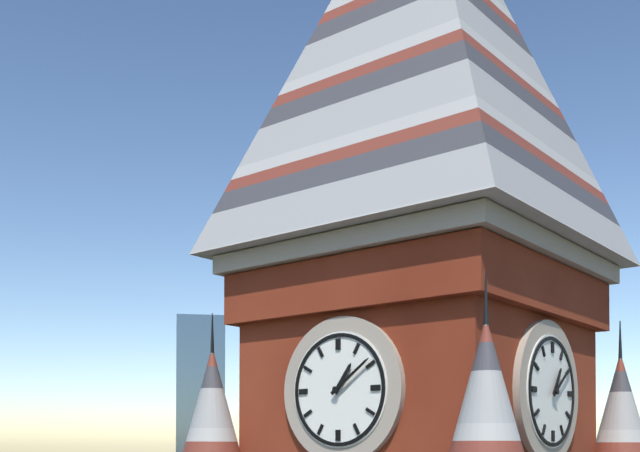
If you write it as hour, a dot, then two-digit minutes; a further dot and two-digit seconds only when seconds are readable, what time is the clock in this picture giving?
1.09
